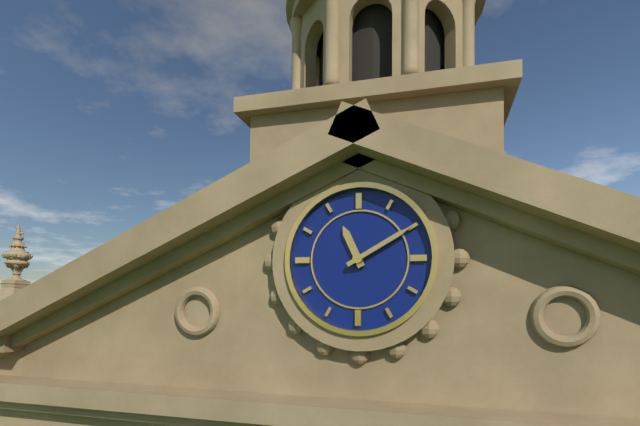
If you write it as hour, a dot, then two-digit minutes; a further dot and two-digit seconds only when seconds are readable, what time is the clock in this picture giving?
11.10
